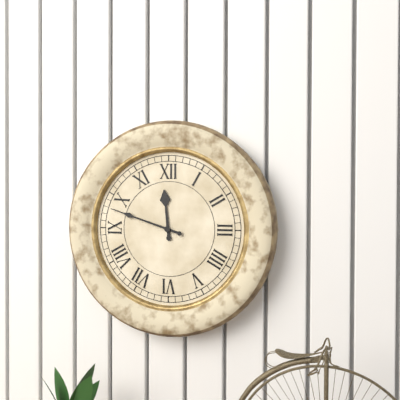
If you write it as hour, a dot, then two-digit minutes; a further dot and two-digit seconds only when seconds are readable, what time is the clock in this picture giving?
11.48
